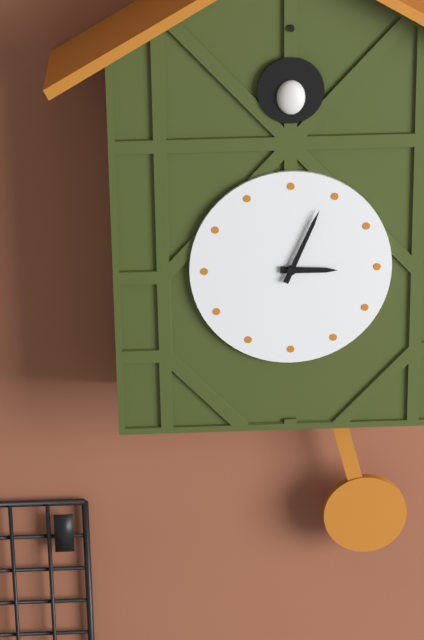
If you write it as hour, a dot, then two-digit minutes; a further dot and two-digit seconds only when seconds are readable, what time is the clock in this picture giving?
3.04
